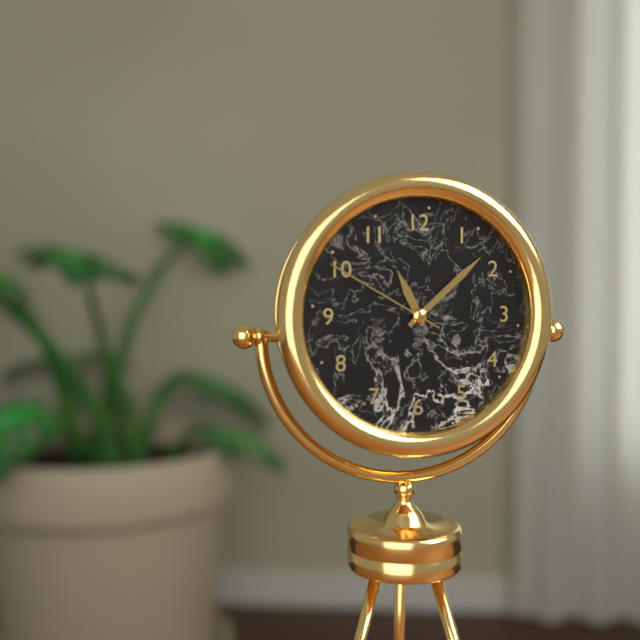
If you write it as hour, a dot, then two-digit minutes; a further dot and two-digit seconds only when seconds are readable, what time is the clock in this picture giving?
11.08.50
